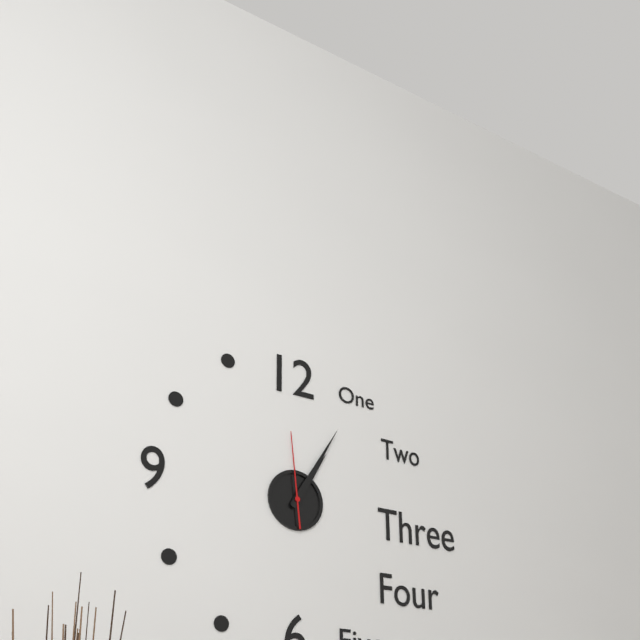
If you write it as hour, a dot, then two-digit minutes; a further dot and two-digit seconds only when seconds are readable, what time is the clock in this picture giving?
1.05.59
